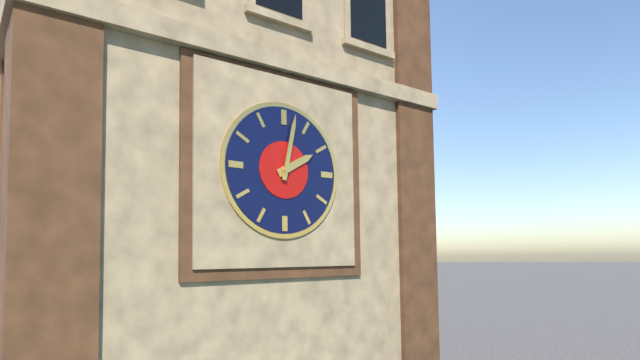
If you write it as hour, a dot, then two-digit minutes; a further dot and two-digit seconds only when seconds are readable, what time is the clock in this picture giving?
2.02
